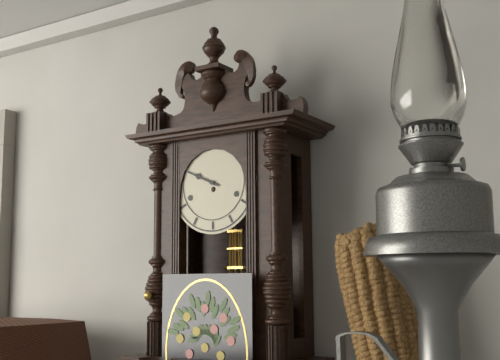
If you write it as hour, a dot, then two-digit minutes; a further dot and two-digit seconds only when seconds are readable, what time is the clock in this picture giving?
9.49
